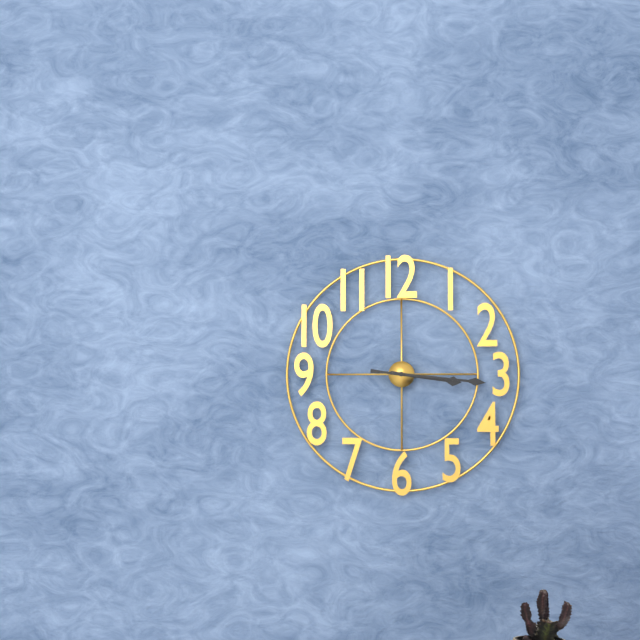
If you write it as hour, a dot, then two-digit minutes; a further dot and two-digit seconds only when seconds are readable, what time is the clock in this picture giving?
3.16
